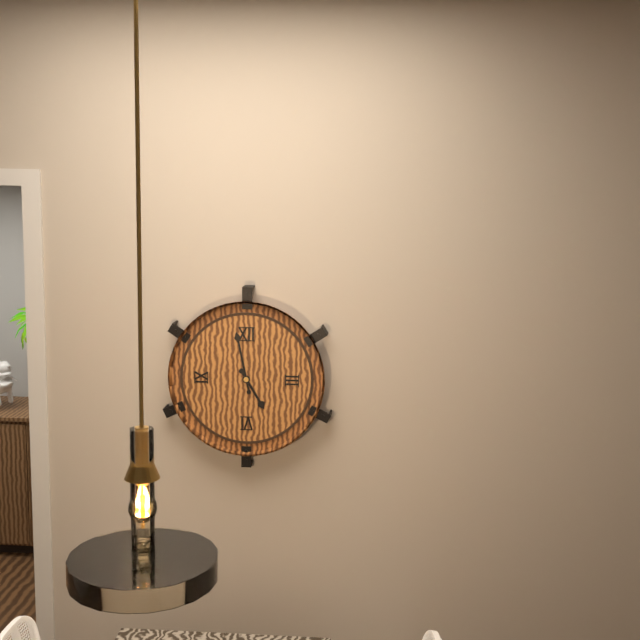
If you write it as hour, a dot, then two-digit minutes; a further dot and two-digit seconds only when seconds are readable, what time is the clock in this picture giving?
4.58
